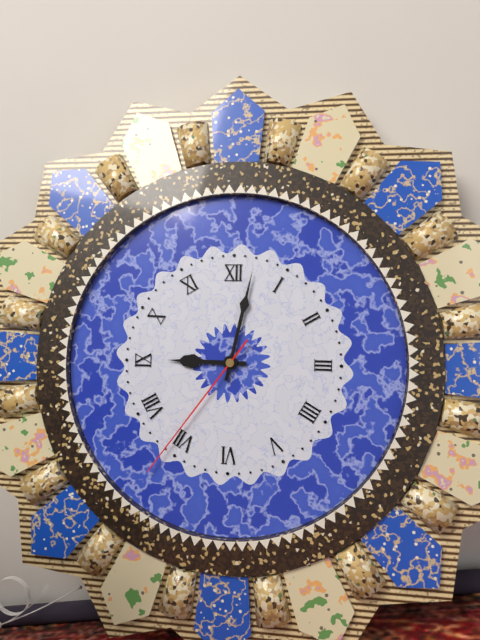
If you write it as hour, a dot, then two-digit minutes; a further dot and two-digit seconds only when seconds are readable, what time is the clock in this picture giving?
9.02.36
